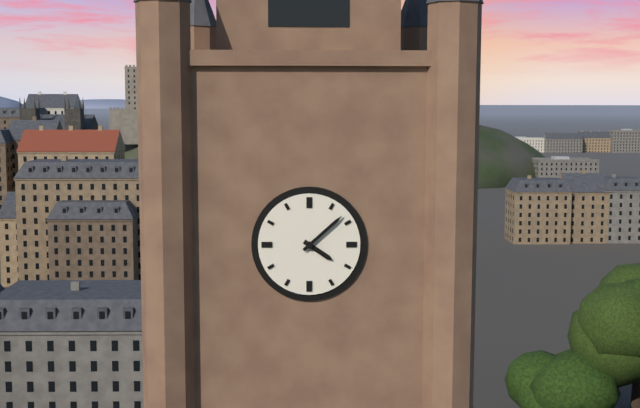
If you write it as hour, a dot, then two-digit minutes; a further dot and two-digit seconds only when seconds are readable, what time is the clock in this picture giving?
4.08
